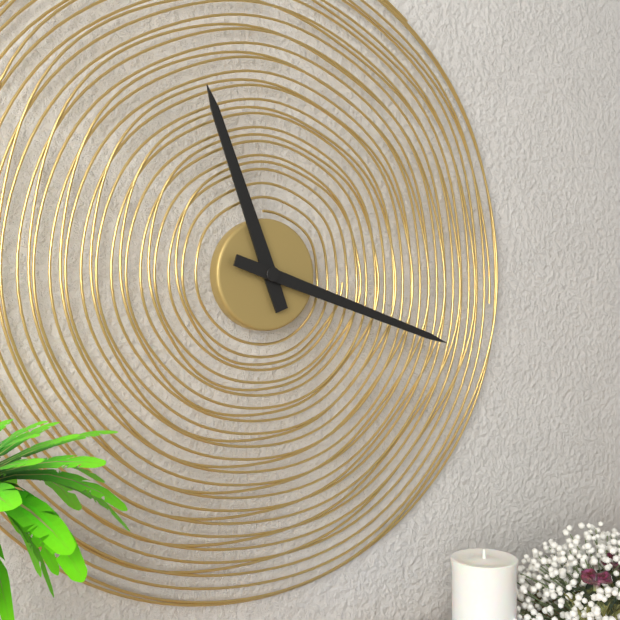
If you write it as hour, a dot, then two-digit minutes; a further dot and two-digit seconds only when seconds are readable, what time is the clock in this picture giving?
11.18
